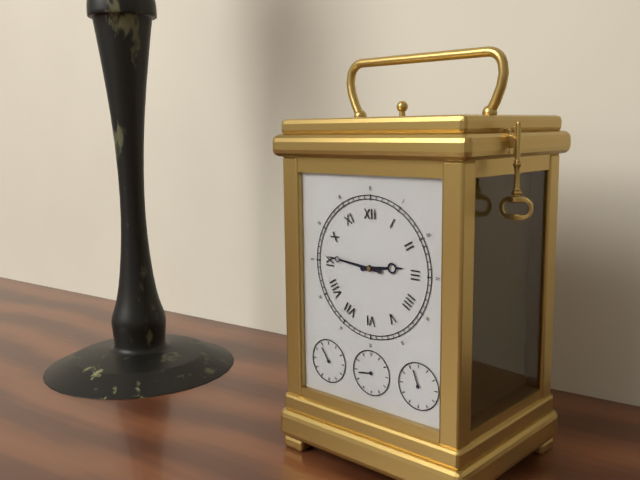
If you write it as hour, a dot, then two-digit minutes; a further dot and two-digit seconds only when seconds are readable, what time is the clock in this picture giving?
2.46
